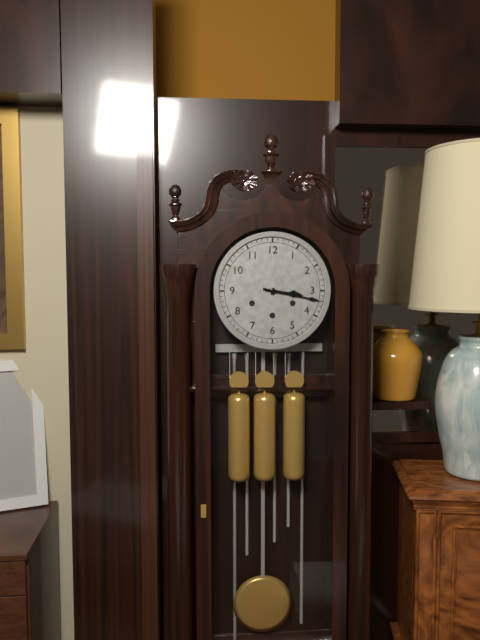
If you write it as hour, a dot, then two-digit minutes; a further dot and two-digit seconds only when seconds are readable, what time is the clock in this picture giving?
3.17
